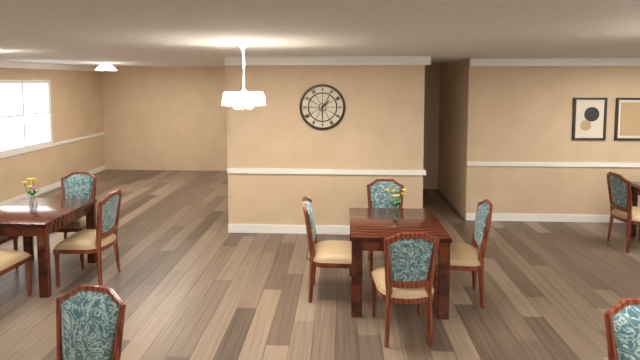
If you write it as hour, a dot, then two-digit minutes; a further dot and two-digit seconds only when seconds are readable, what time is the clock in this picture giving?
1.30
